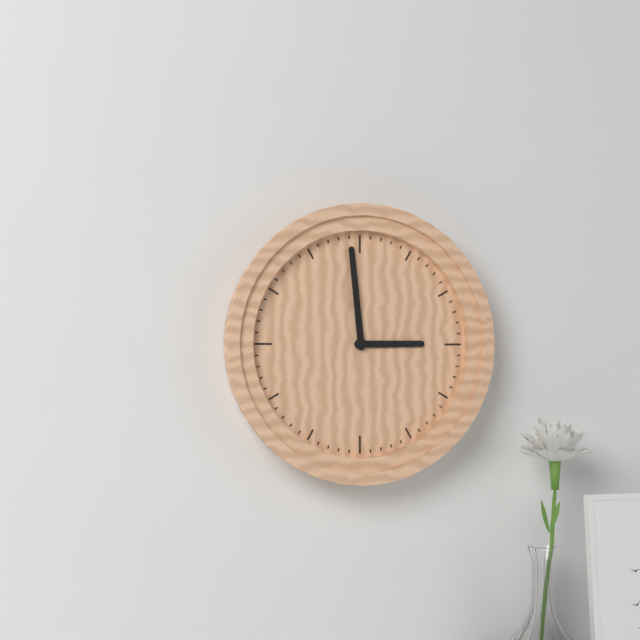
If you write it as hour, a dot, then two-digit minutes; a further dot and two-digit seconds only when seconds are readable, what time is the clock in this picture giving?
2.59
